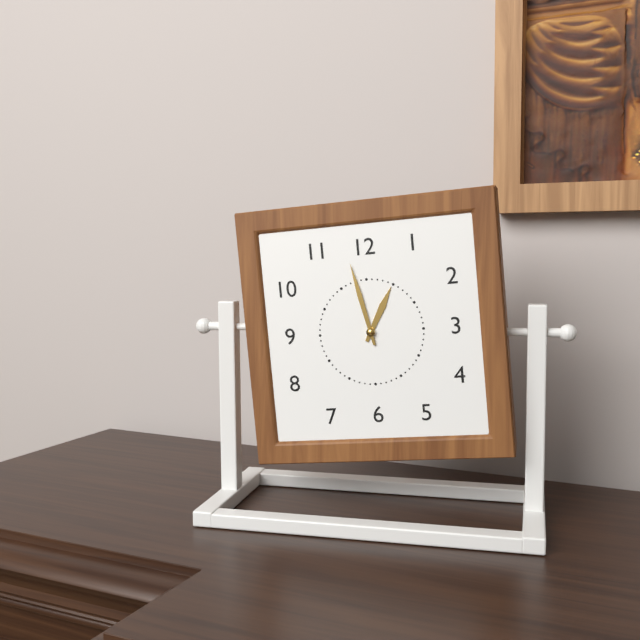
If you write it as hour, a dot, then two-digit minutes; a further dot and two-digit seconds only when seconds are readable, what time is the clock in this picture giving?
12.58
